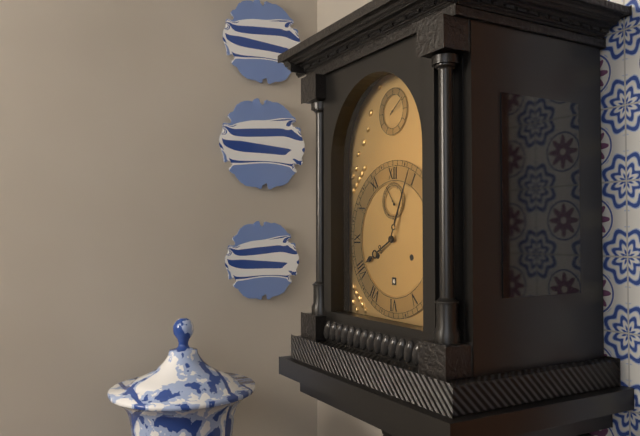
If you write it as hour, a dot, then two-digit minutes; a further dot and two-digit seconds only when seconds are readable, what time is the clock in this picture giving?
8.04
